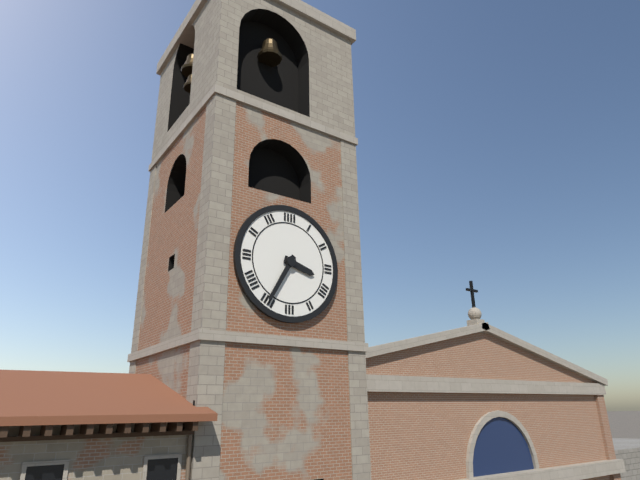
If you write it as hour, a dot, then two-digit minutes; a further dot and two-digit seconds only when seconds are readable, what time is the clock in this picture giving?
3.35
